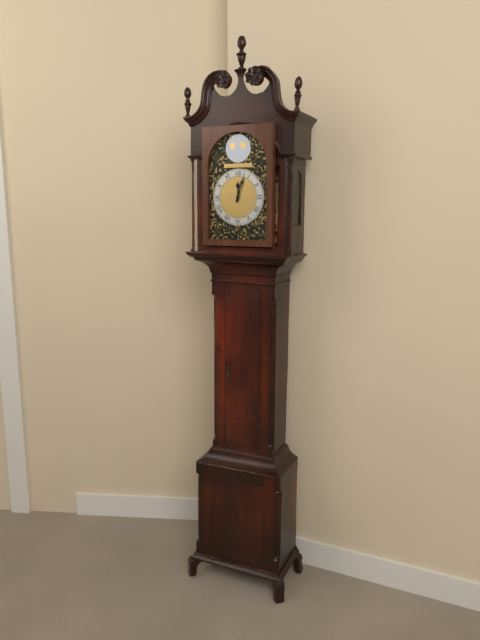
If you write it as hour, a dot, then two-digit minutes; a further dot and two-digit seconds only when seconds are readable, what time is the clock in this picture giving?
12.03
